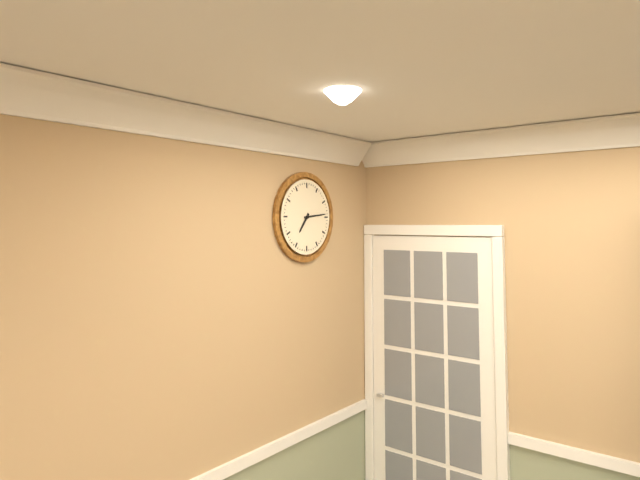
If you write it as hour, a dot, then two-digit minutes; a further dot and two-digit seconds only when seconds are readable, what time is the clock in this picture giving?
7.14
